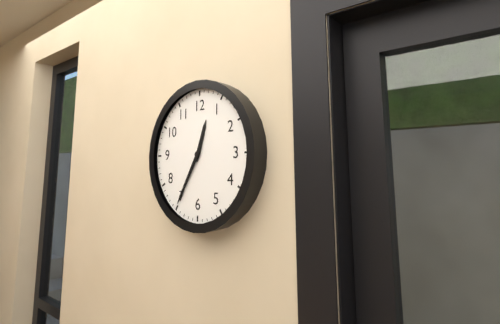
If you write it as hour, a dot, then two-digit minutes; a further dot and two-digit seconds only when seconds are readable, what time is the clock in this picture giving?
12.35
